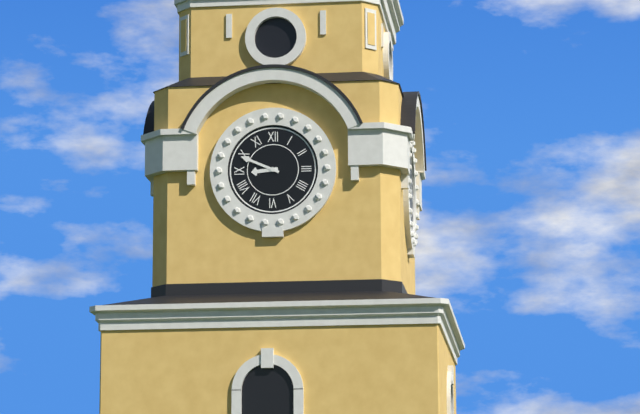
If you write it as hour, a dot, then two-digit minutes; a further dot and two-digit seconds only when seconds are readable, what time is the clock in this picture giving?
8.49
